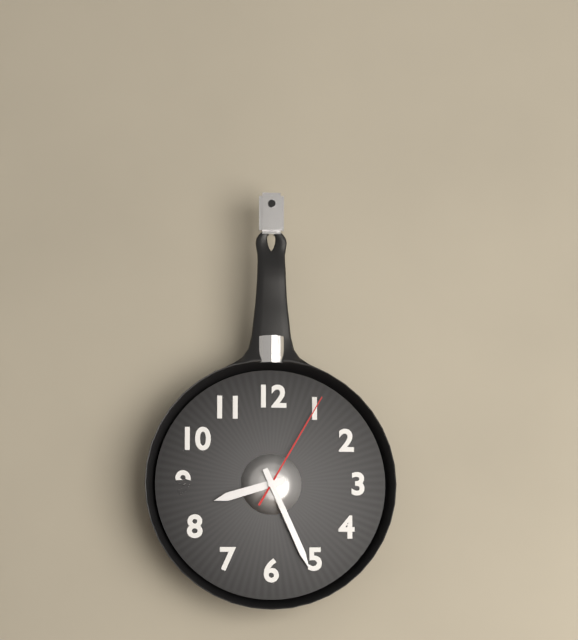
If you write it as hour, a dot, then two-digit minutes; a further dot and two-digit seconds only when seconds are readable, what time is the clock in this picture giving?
8.26.05
